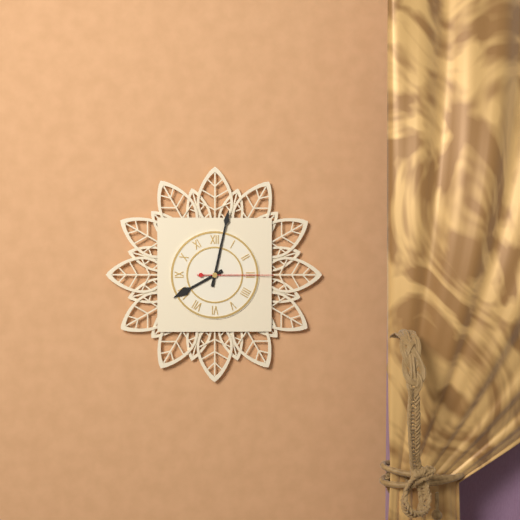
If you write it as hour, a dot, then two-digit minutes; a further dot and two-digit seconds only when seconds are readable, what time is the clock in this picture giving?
8.02.15
